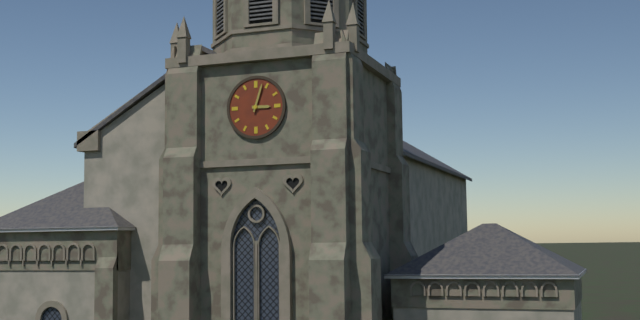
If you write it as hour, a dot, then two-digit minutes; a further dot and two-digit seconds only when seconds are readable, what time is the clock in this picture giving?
3.03
